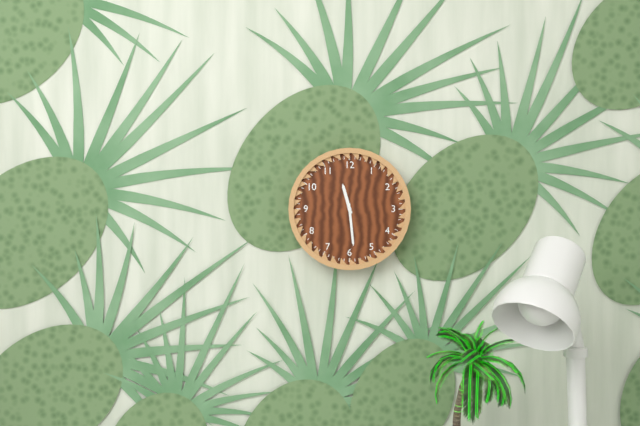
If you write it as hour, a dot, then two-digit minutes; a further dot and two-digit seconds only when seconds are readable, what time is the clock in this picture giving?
11.29
